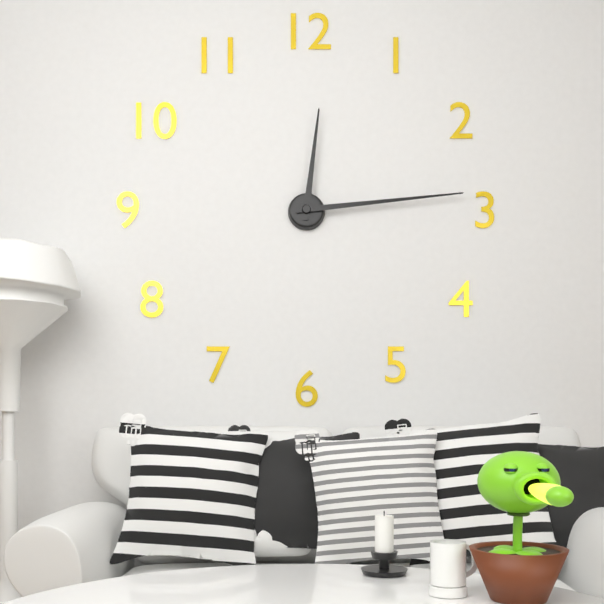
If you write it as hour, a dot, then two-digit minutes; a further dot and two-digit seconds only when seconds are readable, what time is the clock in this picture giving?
12.14
